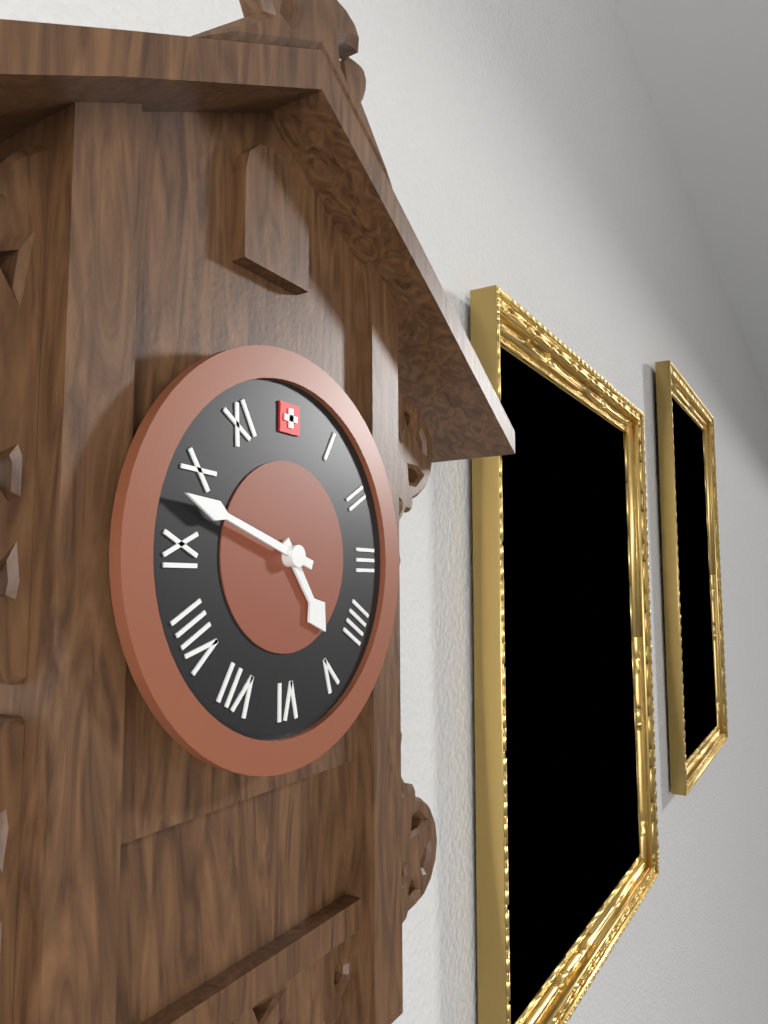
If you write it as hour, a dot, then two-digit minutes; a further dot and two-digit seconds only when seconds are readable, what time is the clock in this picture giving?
4.48
